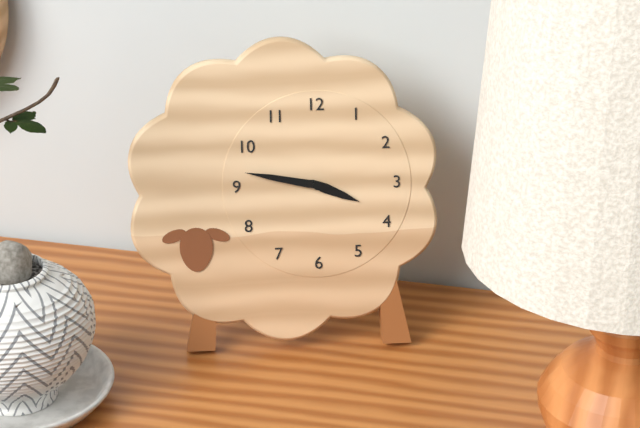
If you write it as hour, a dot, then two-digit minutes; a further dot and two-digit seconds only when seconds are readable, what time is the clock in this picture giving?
3.47
